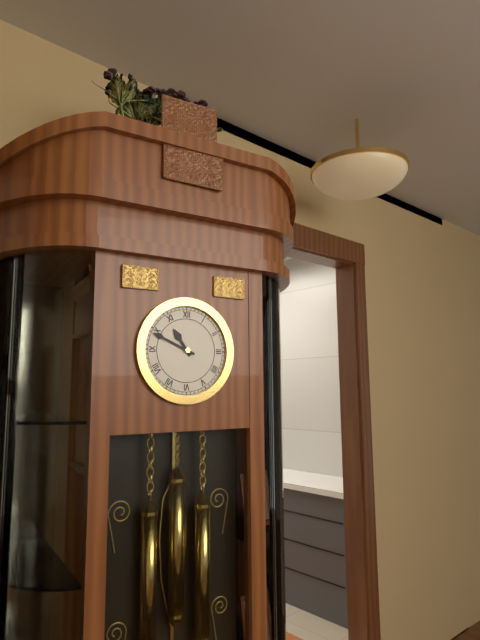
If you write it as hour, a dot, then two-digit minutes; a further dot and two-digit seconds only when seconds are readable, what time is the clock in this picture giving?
10.49
